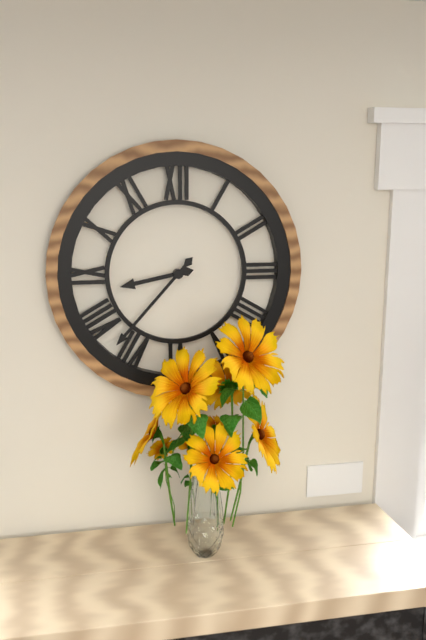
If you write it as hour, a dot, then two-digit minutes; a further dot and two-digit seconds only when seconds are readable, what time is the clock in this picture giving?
8.37
